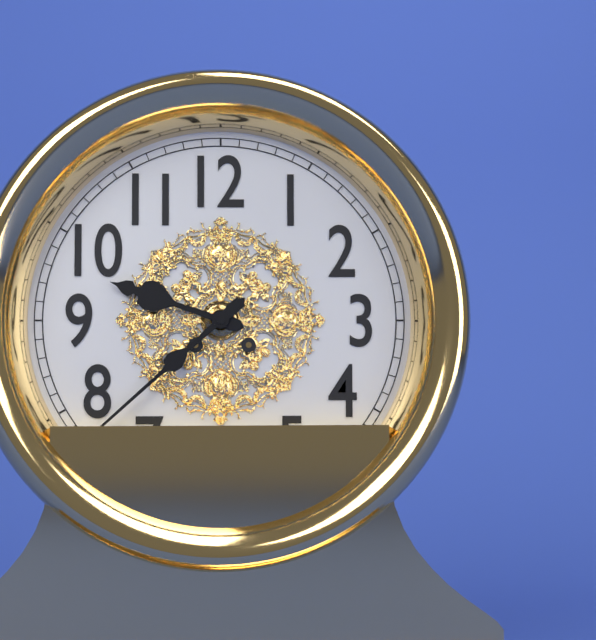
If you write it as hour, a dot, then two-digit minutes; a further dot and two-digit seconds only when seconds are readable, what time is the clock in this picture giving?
9.38
